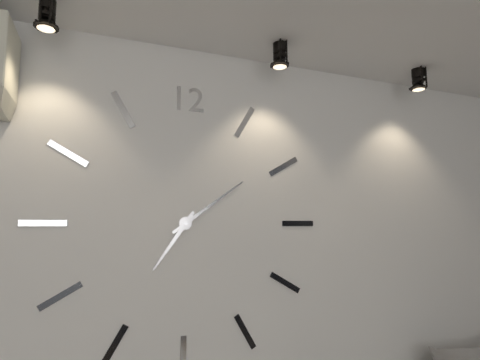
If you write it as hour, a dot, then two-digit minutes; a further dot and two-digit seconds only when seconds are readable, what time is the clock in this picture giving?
7.09
